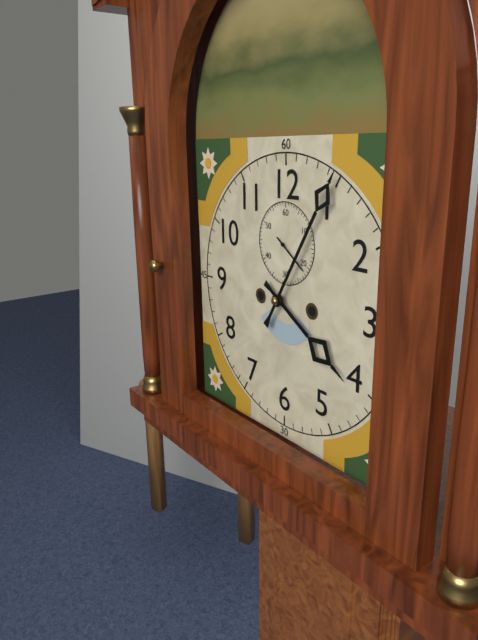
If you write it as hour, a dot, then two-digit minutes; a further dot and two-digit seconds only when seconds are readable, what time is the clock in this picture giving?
4.05
